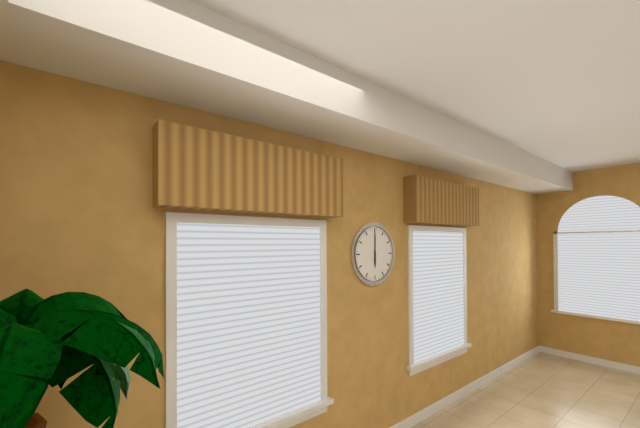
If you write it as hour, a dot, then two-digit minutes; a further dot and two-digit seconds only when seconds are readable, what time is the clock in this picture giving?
6.00
